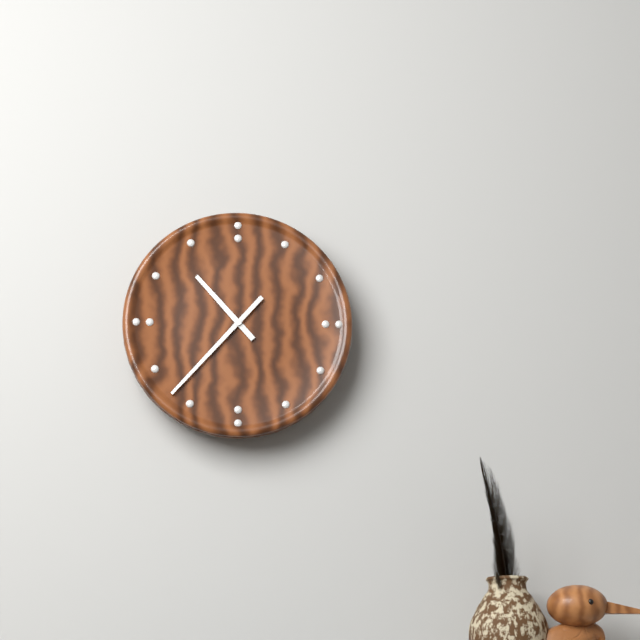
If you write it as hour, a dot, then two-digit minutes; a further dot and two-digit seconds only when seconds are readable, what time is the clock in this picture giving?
10.37
